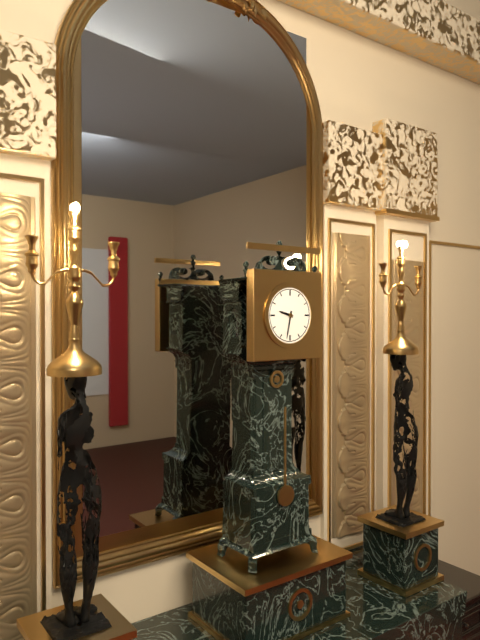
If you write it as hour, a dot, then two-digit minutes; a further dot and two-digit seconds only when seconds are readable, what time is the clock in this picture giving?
9.32
